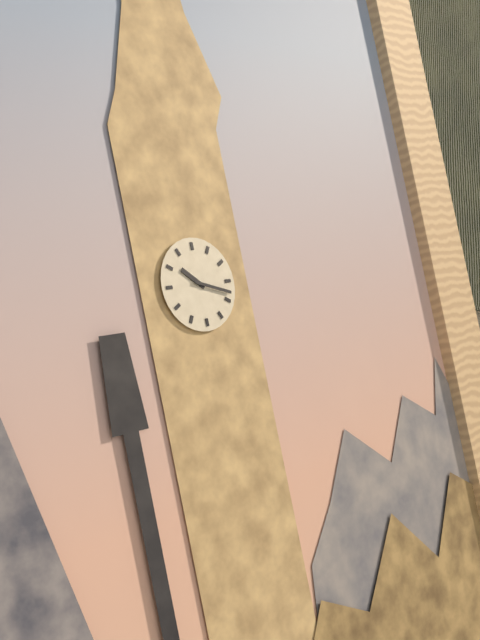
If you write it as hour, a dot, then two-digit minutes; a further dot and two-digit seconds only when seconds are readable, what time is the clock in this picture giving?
10.18
